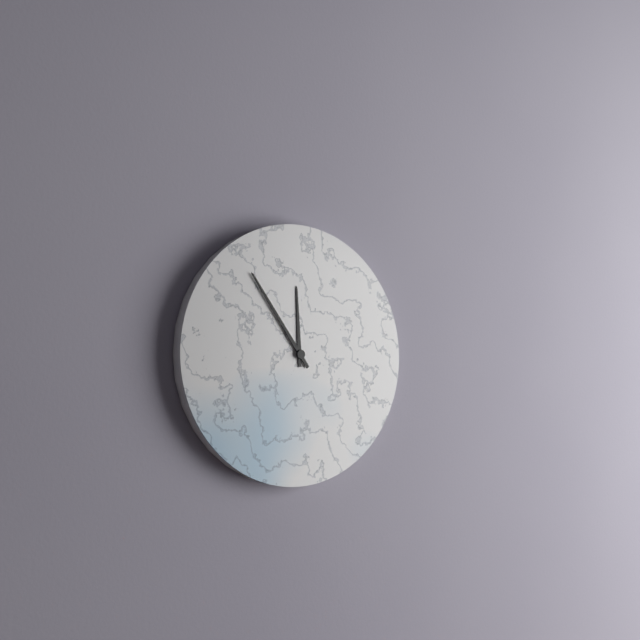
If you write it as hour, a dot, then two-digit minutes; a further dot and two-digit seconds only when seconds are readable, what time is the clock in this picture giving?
11.54
